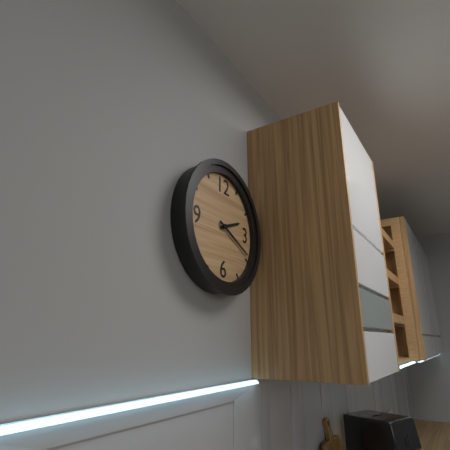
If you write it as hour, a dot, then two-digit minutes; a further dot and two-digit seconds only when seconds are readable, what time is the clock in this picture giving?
2.19
